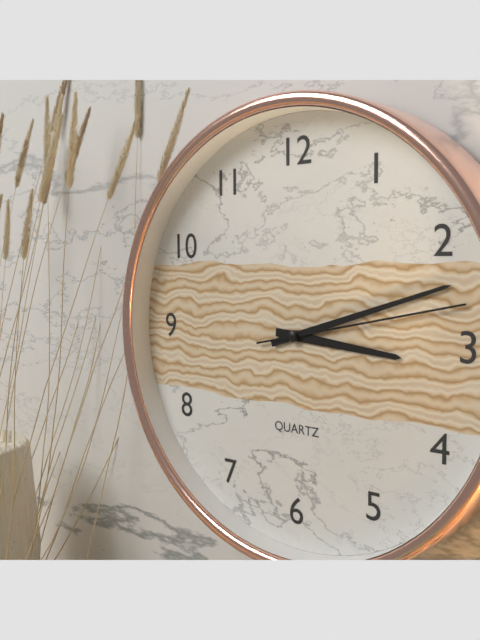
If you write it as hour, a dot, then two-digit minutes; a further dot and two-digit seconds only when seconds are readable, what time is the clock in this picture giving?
3.12.13
